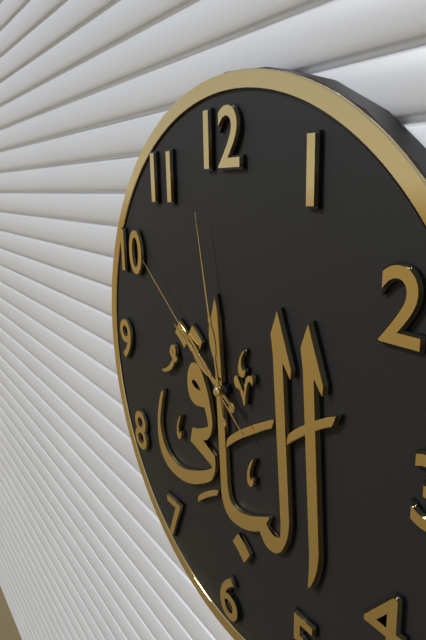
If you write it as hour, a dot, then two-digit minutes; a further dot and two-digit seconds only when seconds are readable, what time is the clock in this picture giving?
9.58.51
